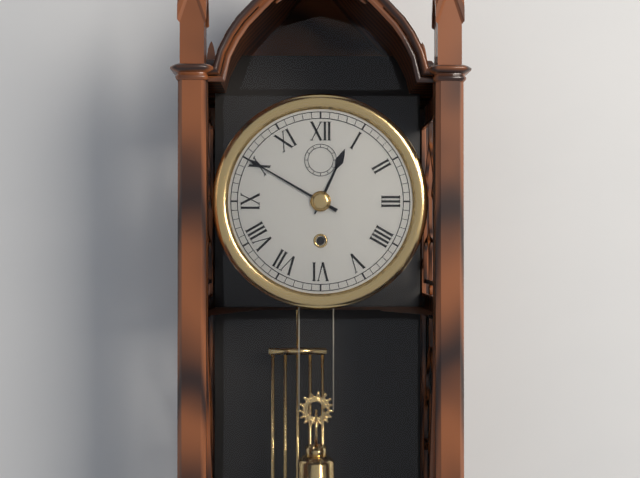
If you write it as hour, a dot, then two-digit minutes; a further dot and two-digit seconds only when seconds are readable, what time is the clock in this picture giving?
12.50
